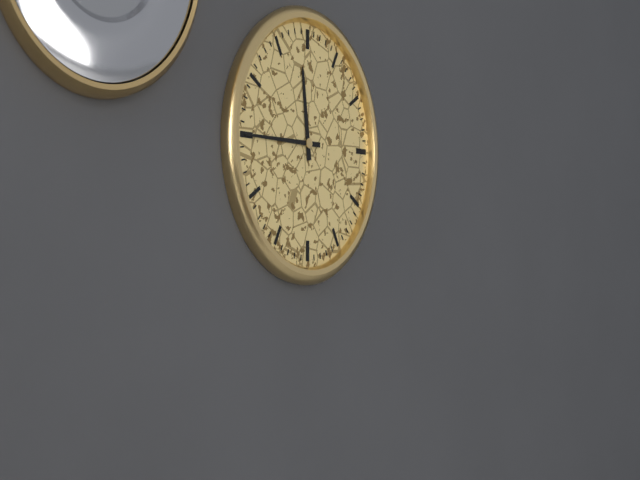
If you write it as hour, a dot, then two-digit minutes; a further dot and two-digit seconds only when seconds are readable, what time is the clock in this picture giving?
11.45
